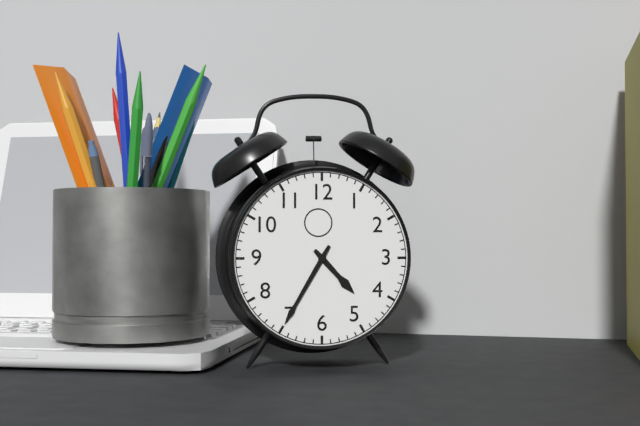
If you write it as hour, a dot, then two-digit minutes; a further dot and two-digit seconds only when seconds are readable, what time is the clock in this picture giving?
4.35
